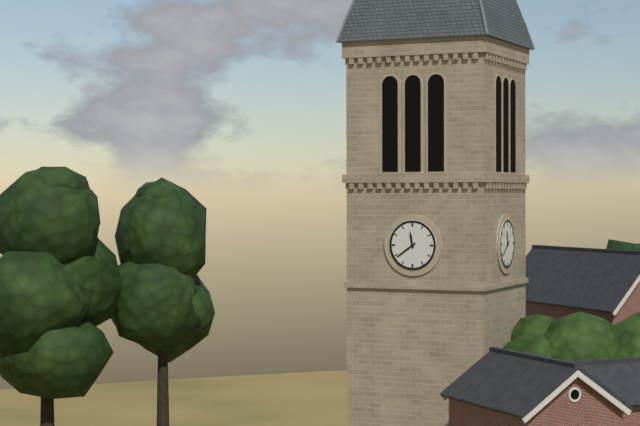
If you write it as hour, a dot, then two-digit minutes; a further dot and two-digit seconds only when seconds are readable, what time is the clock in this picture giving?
11.39
